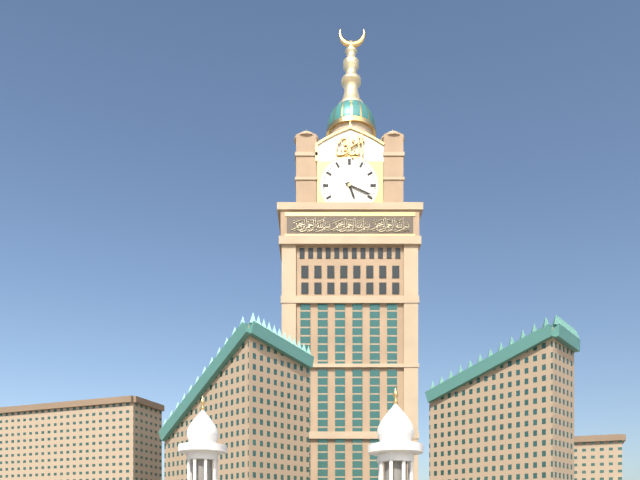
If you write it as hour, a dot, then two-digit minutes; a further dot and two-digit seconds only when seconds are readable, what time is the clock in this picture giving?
5.19
